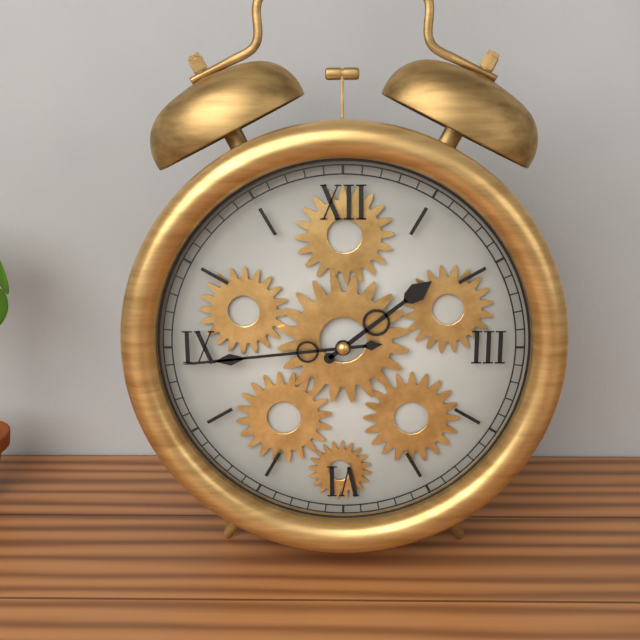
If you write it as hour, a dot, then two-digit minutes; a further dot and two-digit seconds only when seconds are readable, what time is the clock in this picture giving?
1.44
